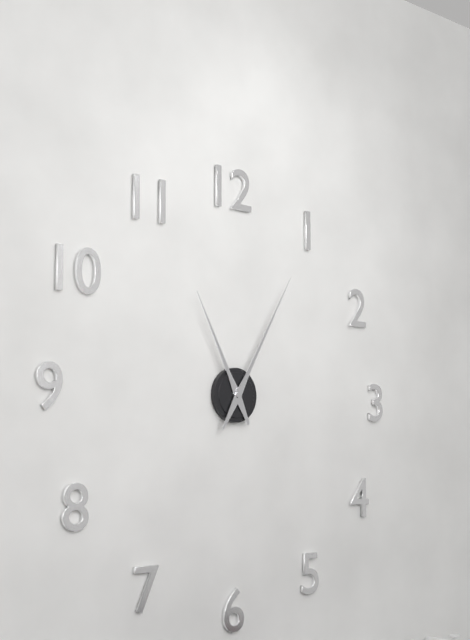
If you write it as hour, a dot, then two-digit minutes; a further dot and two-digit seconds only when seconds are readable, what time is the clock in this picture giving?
11.05
